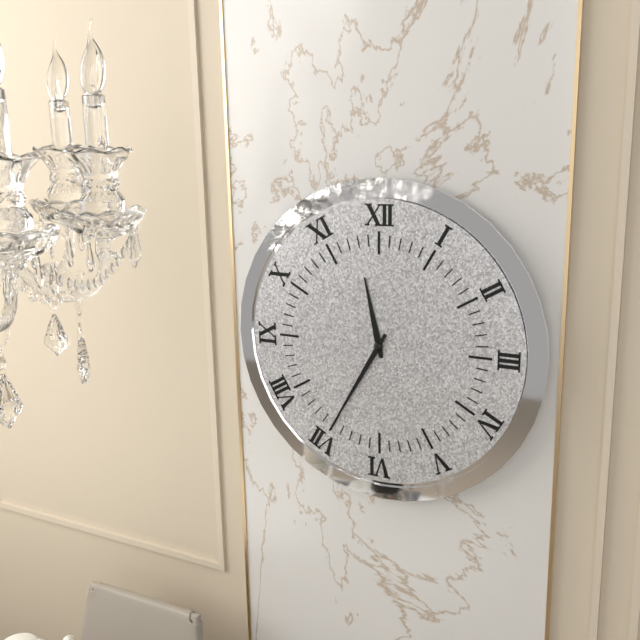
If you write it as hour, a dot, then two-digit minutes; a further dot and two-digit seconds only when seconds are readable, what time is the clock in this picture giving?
11.35
